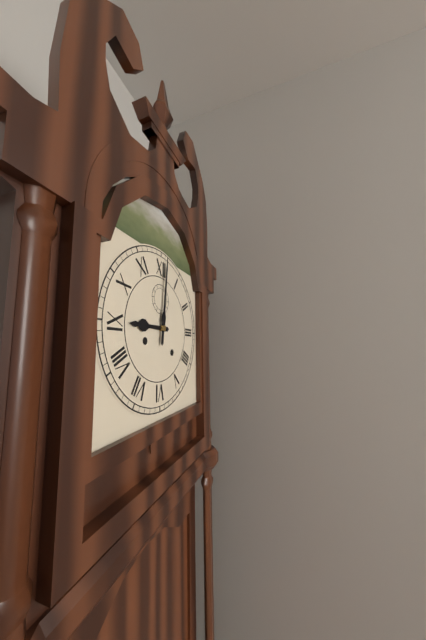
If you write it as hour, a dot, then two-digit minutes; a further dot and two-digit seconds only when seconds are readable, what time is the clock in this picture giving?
9.01
